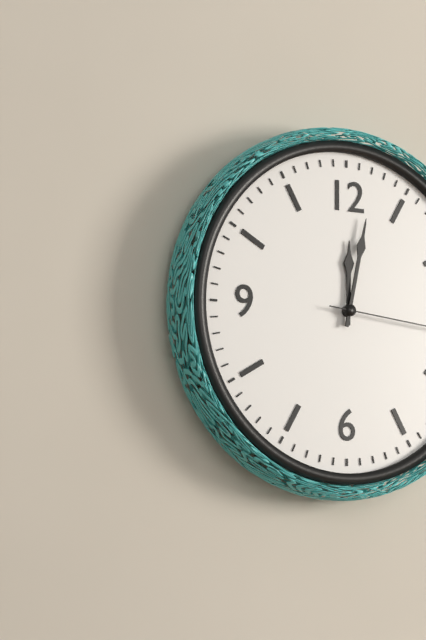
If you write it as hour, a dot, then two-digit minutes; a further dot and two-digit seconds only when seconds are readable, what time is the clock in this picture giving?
12.02
